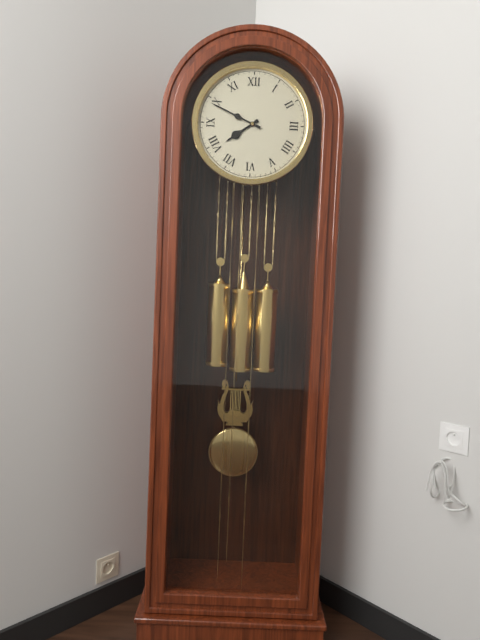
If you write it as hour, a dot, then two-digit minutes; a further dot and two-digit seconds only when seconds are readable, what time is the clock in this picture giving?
7.49
